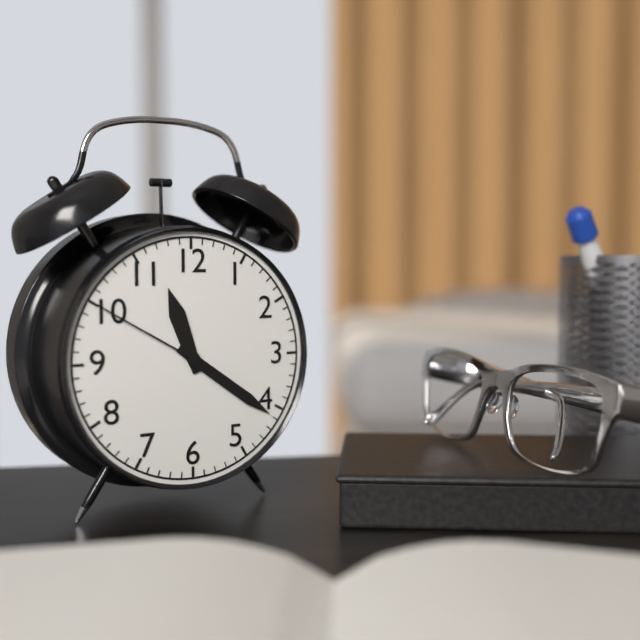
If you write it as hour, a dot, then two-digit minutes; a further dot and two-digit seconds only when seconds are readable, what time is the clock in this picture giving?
11.21.50
